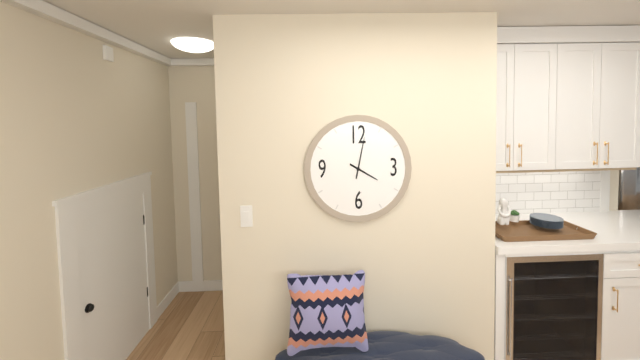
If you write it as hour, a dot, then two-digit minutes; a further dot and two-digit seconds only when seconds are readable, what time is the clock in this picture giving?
4.02
